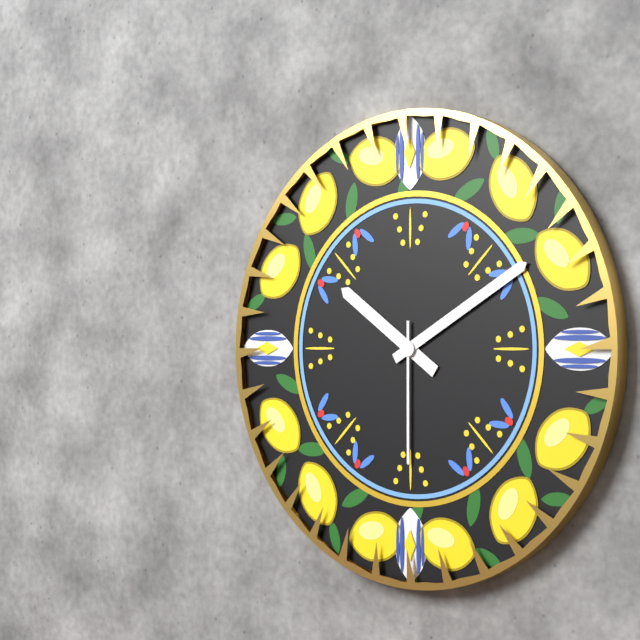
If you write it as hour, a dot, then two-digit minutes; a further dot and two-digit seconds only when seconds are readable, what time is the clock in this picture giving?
10.10.30
